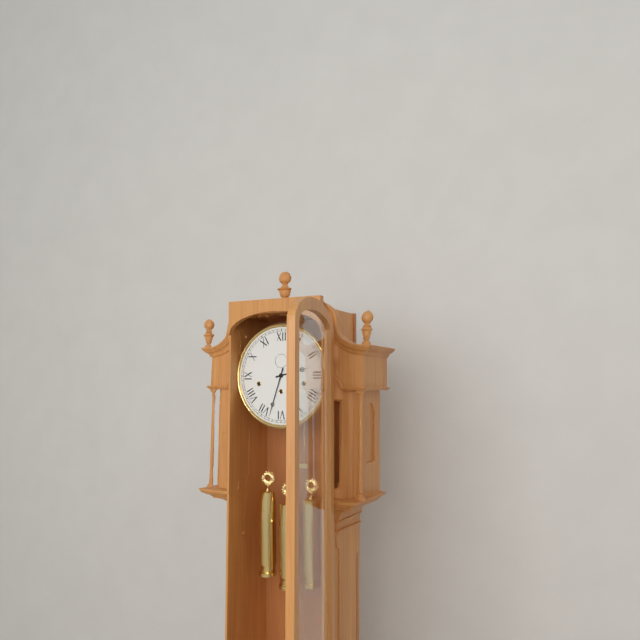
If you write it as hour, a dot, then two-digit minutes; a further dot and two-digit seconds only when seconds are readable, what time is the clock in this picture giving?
2.33
